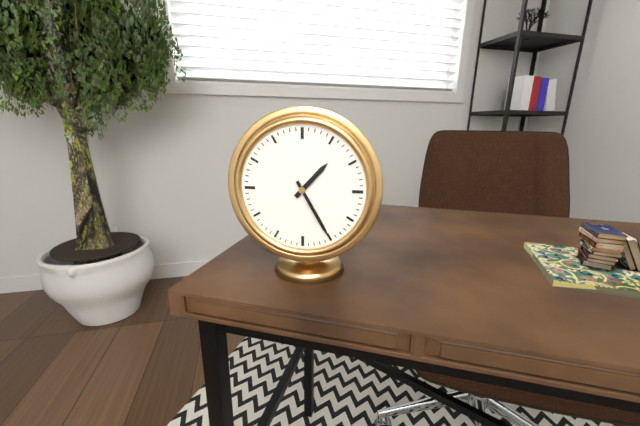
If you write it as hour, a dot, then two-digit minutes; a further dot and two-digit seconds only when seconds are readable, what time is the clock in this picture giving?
1.25
